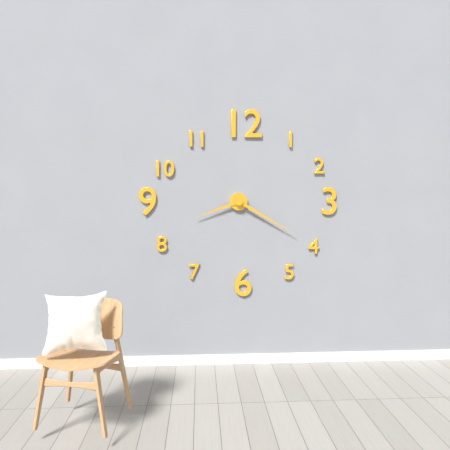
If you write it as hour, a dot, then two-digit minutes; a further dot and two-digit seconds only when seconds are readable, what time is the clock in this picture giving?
8.20
